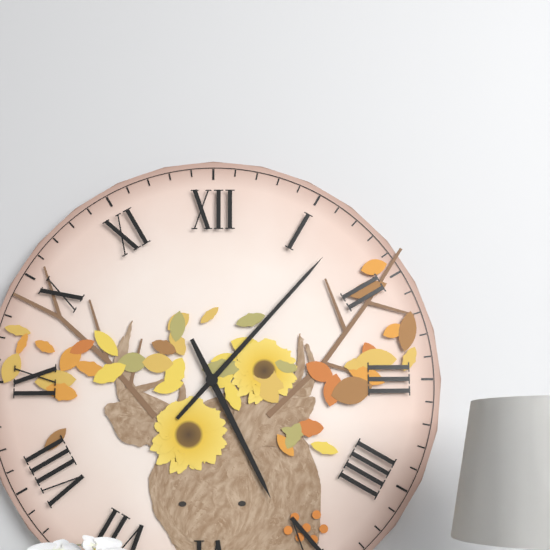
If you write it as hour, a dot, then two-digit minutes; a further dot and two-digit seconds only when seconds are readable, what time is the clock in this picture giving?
5.07
